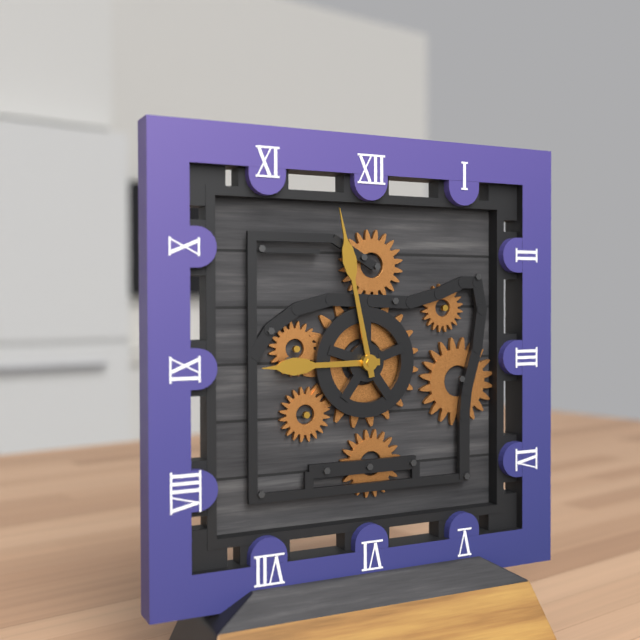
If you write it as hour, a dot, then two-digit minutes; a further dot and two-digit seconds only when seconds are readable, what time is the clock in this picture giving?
8.58
